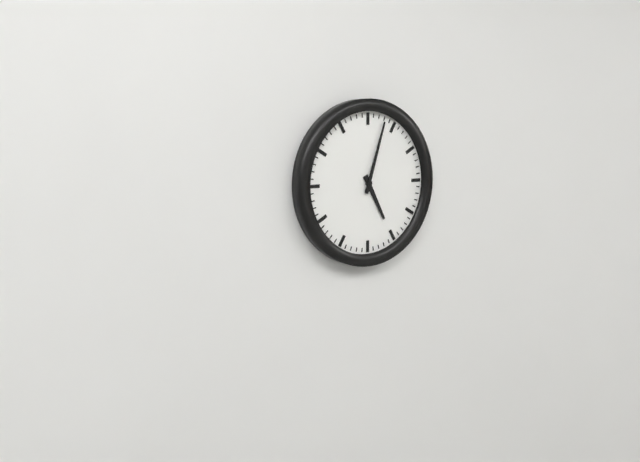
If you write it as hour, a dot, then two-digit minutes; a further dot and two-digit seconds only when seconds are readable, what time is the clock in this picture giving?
5.03
